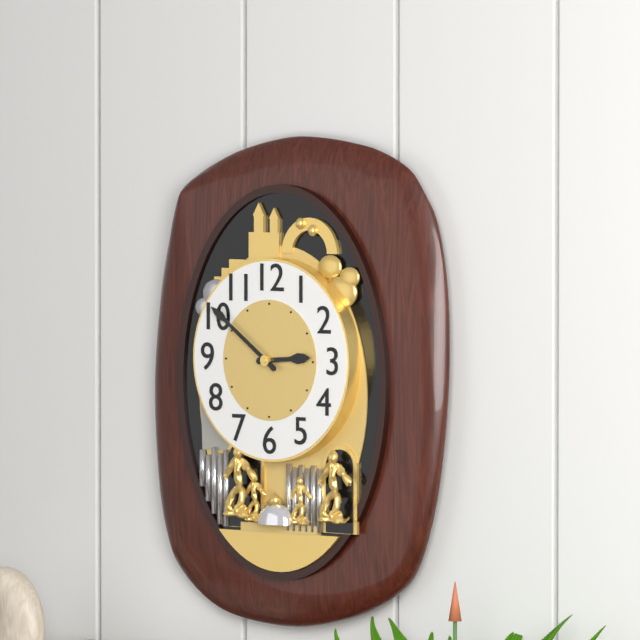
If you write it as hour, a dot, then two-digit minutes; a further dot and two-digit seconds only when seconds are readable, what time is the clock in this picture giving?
2.51
